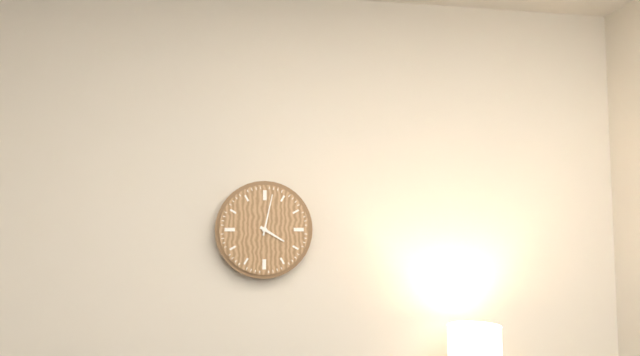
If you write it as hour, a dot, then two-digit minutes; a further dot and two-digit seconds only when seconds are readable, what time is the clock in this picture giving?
4.02
